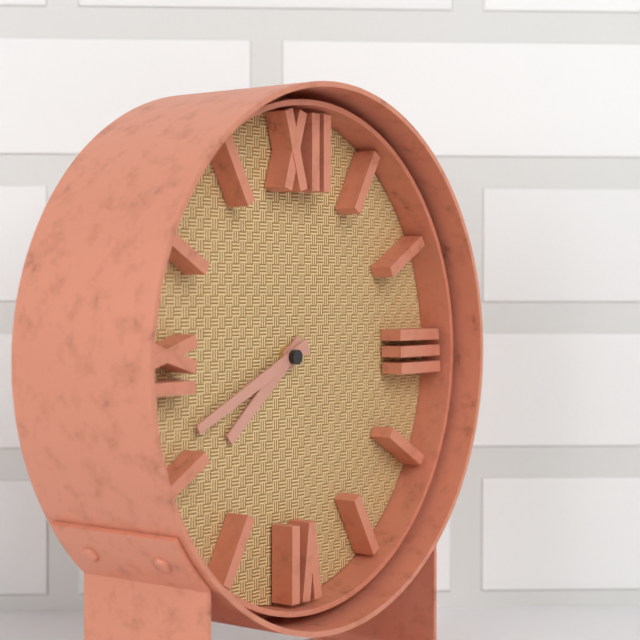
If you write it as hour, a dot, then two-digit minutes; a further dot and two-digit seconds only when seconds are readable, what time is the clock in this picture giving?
7.41
